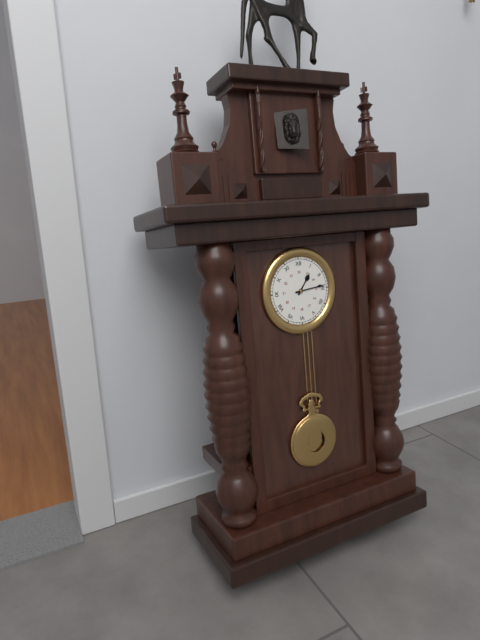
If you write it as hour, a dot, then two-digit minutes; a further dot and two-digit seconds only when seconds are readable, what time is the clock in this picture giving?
1.14
